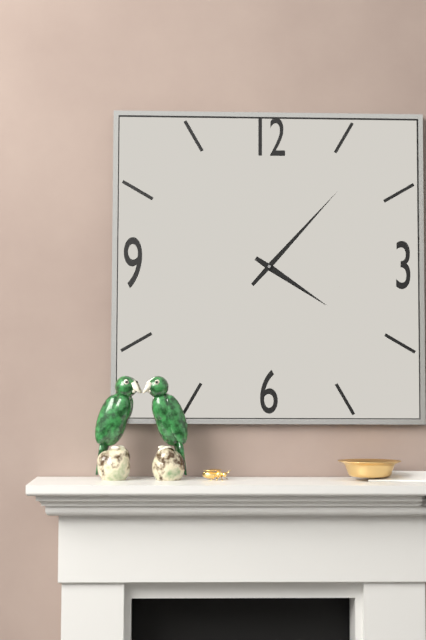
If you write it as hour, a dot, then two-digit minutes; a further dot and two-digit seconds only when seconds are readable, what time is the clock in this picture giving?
4.07
